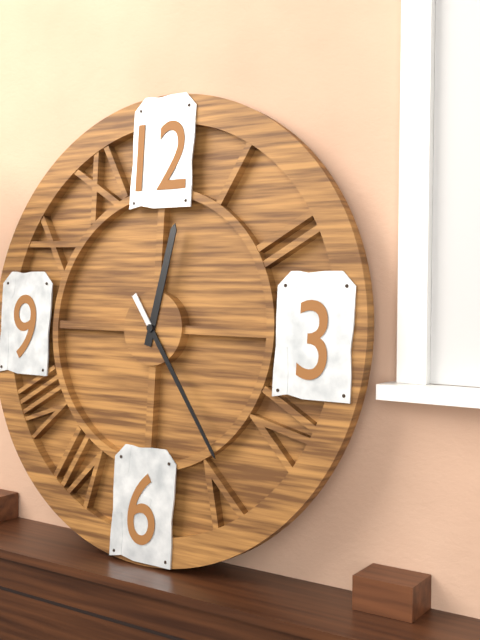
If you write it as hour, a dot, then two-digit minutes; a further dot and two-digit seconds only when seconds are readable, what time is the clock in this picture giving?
12.24
